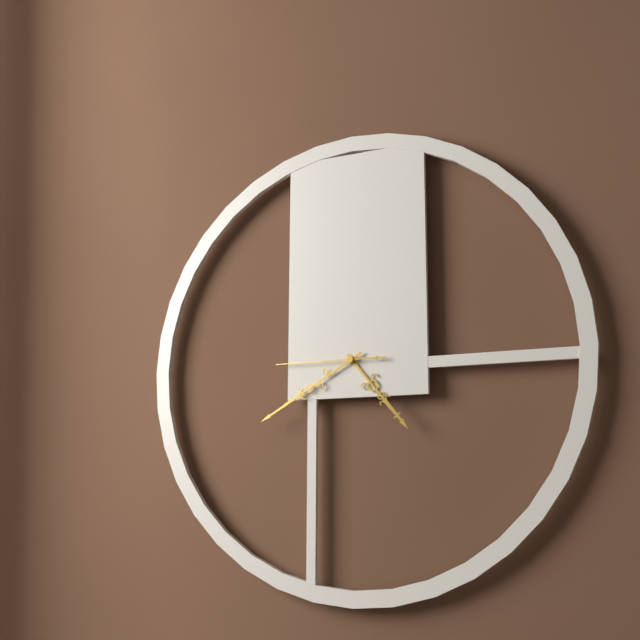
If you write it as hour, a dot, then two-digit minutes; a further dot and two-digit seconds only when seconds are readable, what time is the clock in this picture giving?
4.40.45
